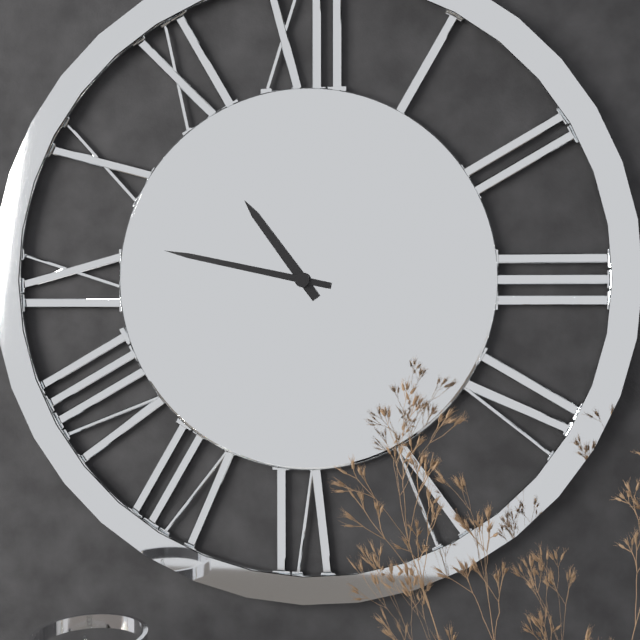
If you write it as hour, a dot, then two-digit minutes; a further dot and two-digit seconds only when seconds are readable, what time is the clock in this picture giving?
10.47
